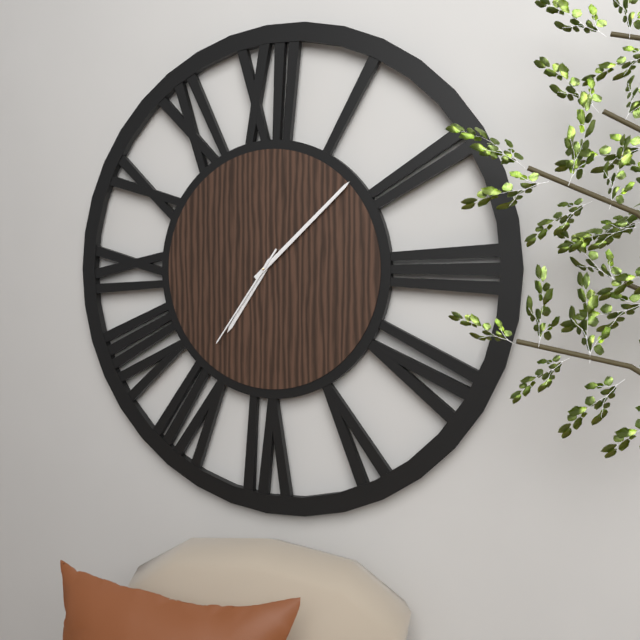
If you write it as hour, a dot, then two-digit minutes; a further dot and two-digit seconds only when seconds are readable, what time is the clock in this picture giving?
7.08.36
